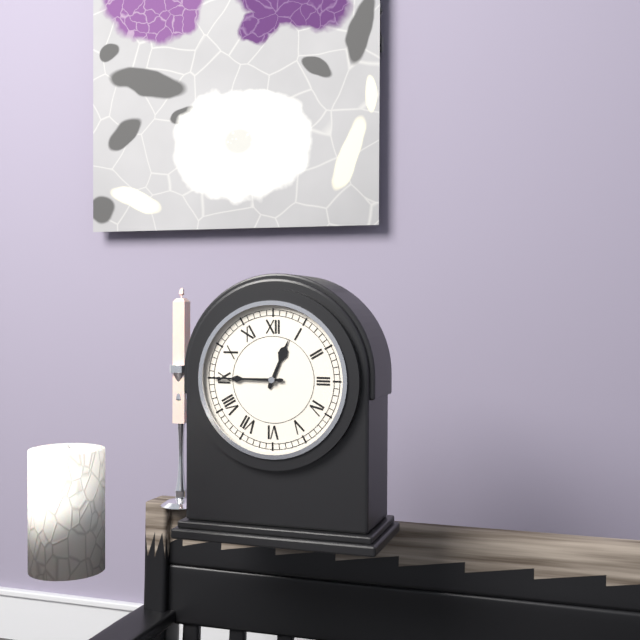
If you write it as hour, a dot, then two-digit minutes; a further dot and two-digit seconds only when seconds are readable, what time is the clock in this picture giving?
12.45
